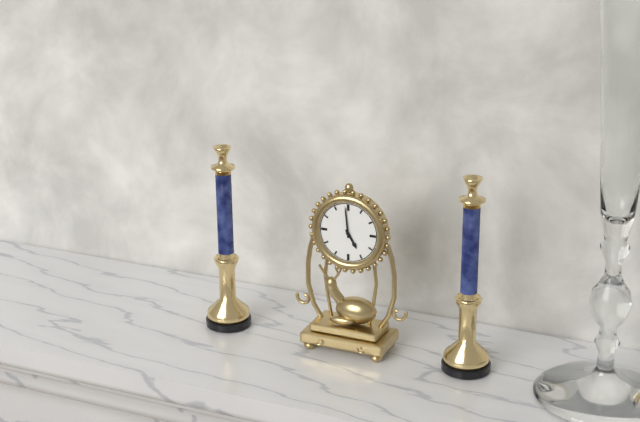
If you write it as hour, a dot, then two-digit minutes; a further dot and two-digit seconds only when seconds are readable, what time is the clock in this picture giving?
4.59
